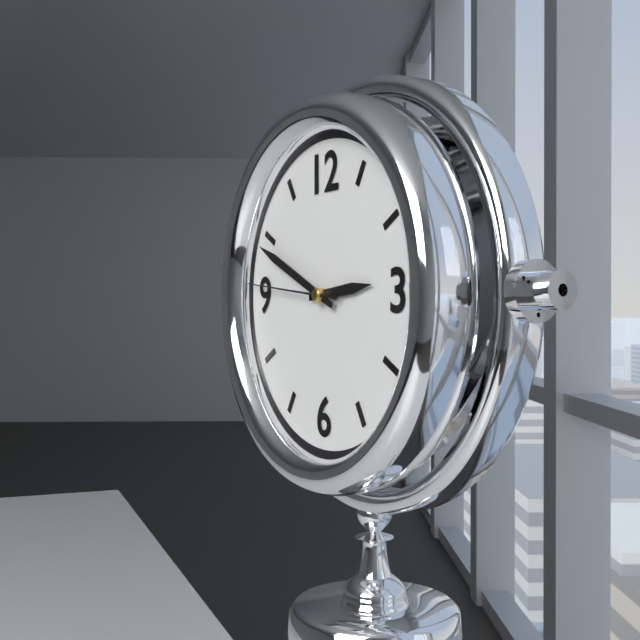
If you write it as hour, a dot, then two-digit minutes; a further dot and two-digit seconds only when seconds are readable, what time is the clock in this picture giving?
2.49.46
